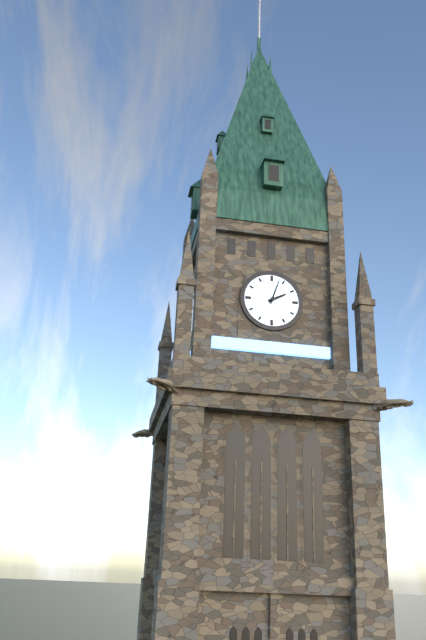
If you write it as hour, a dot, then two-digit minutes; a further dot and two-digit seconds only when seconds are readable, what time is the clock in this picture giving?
2.03
